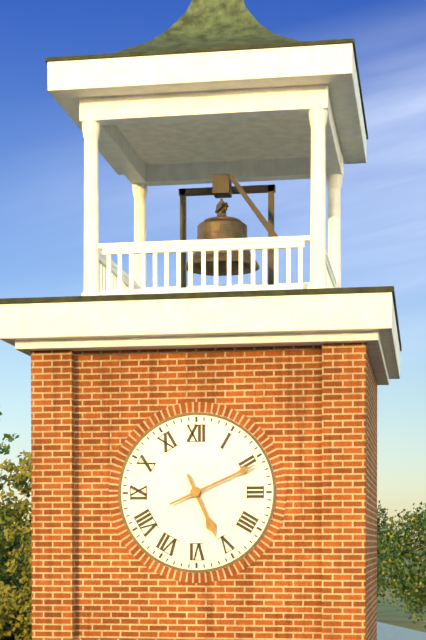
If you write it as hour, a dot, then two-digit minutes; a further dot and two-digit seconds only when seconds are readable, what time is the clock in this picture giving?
5.11
